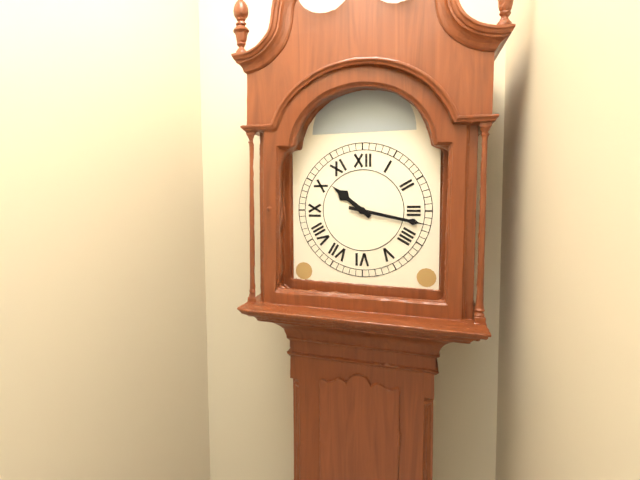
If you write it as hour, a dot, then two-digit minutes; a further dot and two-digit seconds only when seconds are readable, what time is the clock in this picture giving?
10.17
